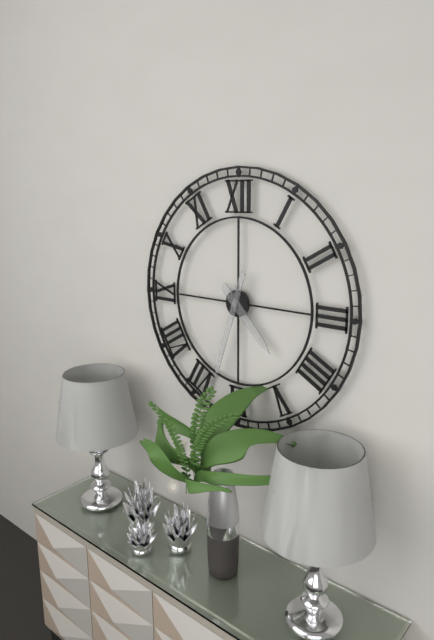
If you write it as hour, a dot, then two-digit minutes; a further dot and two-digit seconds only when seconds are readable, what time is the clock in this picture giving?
4.33
